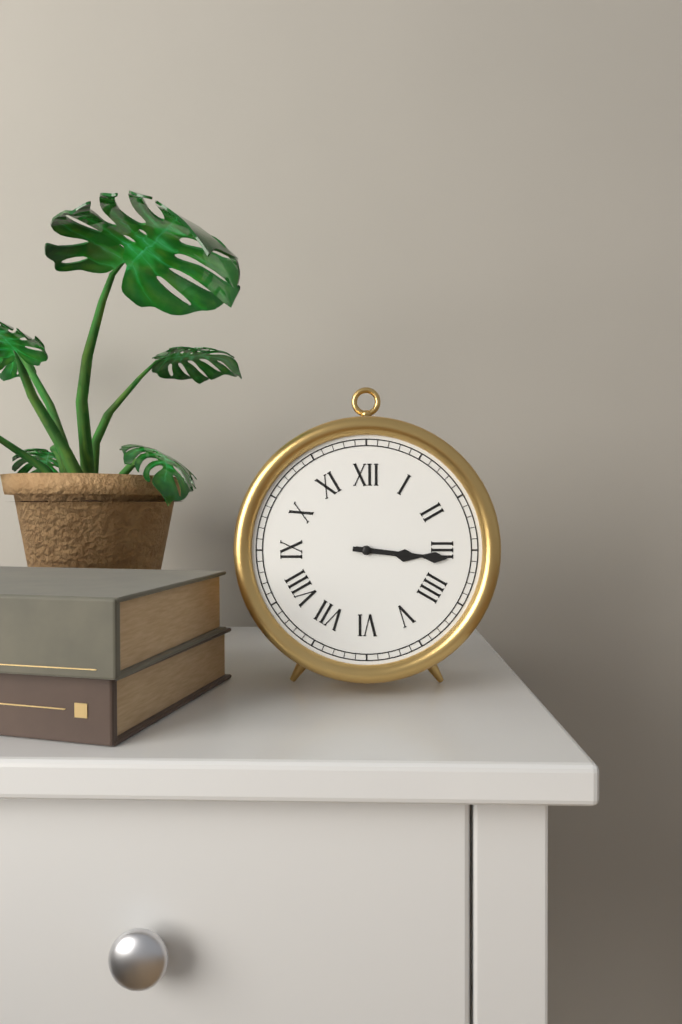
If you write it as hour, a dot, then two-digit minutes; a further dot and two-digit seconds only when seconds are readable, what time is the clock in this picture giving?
3.16
